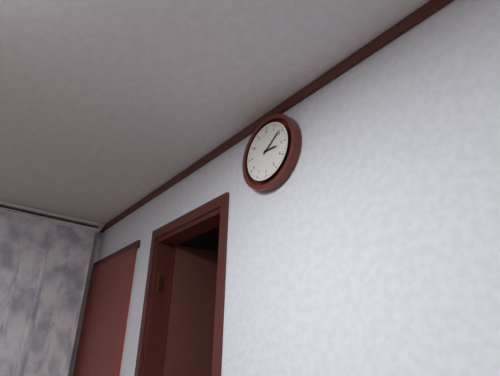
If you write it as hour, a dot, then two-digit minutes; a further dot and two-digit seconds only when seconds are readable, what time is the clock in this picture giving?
3.09
